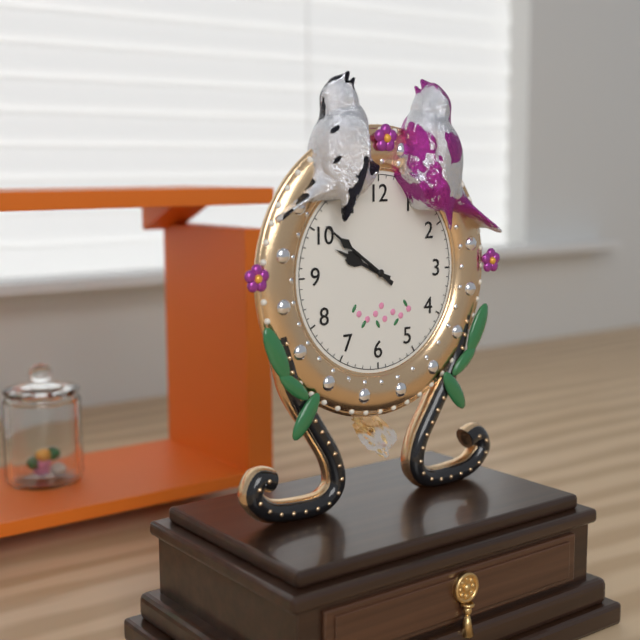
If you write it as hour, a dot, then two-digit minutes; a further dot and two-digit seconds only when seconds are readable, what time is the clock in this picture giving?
9.51
